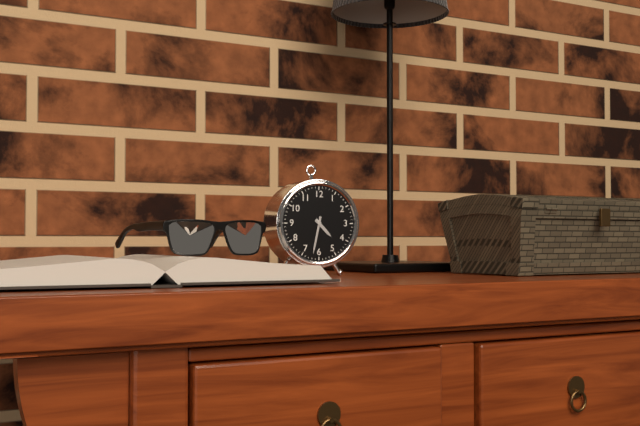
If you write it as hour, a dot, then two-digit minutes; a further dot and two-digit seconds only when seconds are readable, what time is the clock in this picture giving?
4.32
